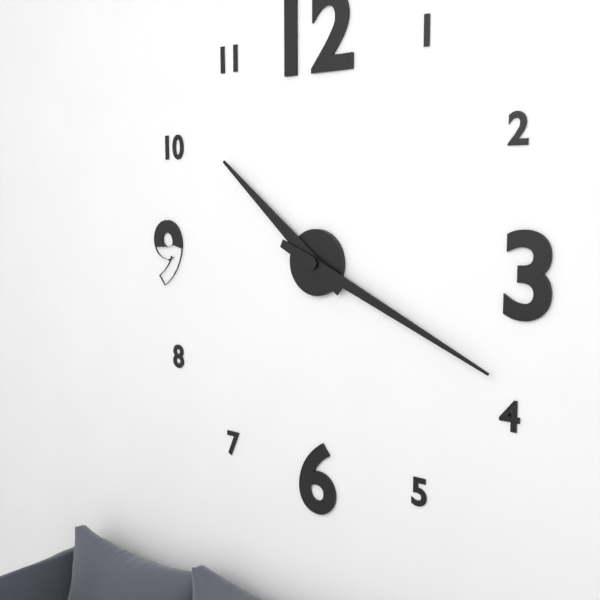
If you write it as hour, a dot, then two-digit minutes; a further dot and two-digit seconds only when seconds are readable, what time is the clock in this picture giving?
10.19
